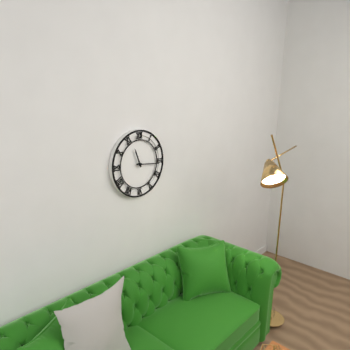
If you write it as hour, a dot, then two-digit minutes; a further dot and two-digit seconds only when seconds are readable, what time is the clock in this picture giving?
11.16
